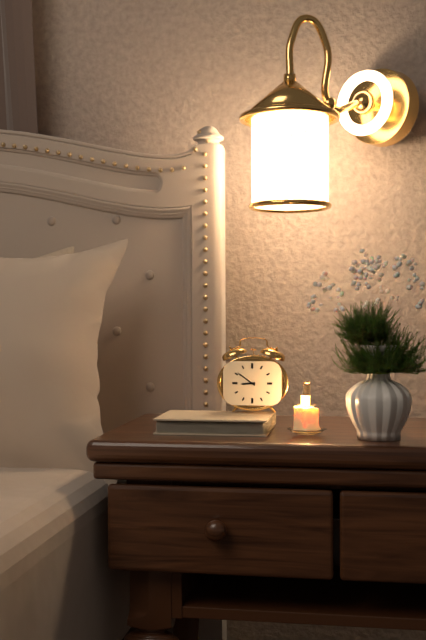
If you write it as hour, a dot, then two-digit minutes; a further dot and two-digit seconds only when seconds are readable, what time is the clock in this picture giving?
8.51
